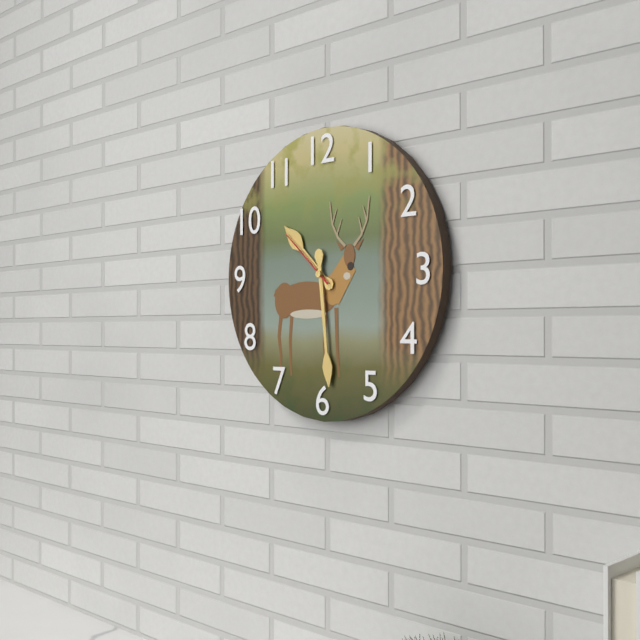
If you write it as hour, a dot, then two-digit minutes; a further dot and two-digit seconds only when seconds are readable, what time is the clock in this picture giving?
10.29.52
